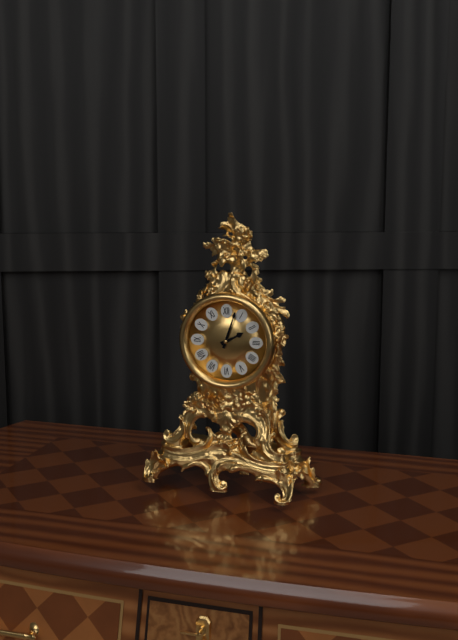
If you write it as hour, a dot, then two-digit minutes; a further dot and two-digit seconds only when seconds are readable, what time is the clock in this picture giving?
2.03
